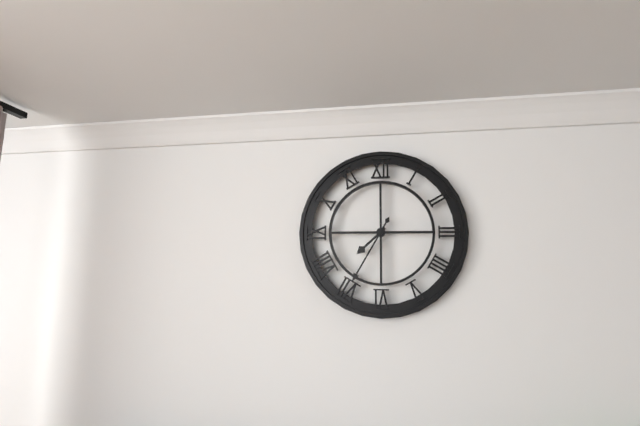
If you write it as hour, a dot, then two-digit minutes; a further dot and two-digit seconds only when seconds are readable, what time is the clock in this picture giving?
7.35
